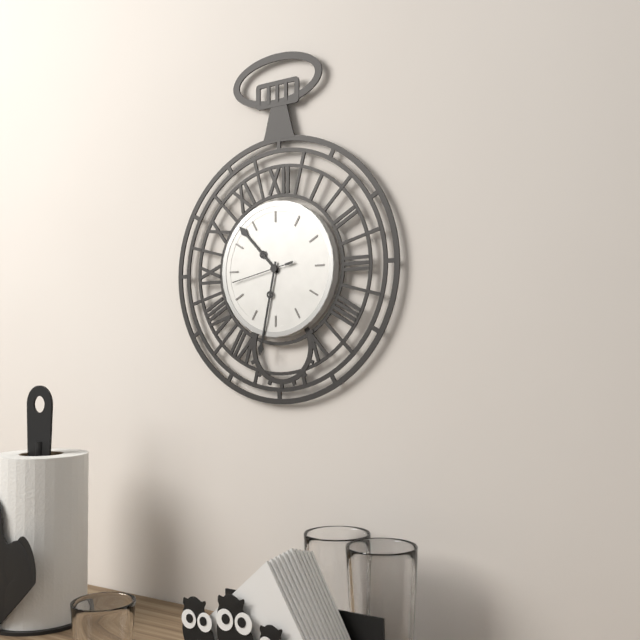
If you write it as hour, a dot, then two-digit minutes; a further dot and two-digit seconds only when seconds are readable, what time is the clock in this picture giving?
10.32.43
